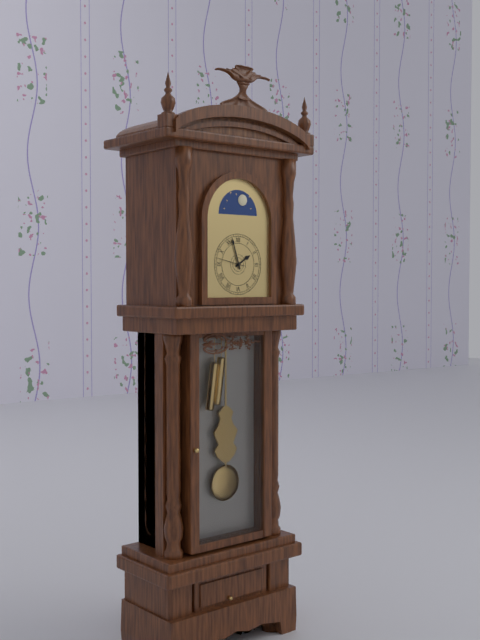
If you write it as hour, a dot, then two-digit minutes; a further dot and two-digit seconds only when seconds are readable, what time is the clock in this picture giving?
1.57
